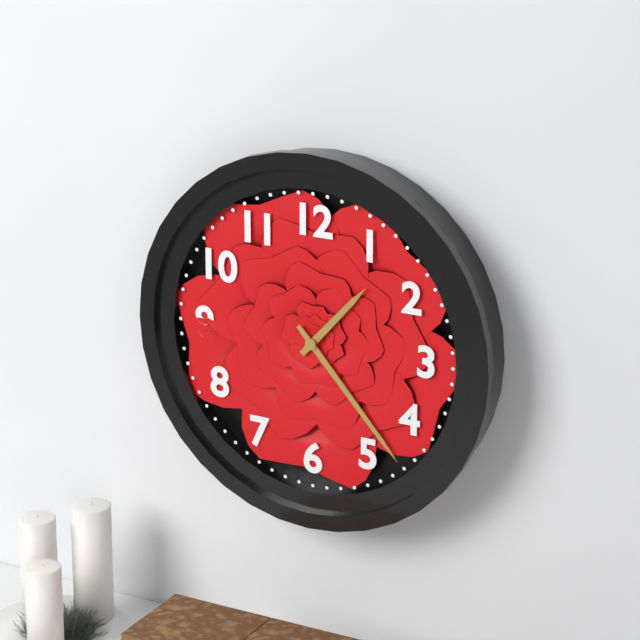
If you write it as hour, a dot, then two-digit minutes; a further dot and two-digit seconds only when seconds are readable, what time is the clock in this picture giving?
1.23
